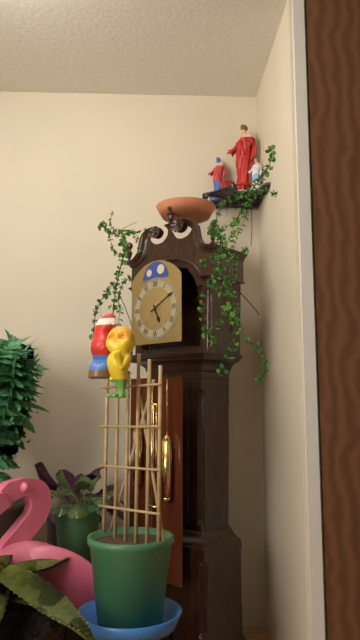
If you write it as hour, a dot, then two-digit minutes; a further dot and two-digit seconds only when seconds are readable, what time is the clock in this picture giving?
5.10
